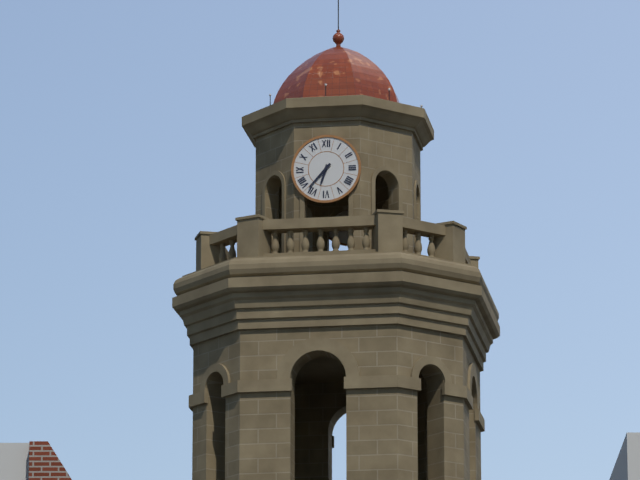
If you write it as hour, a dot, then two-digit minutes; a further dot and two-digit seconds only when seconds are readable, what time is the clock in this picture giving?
6.37
